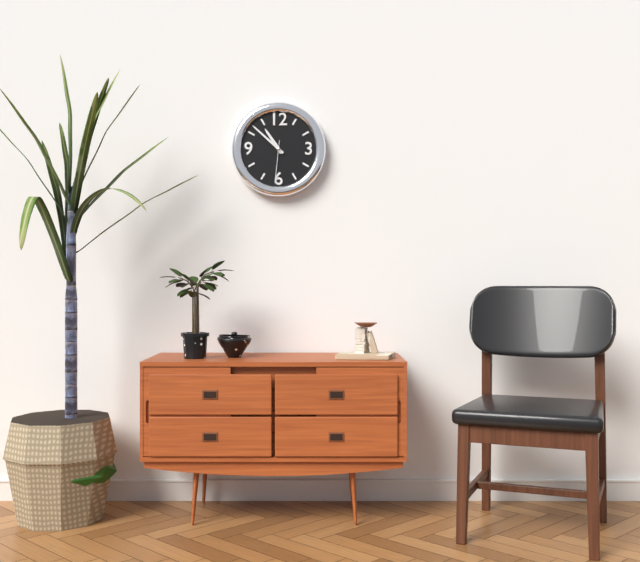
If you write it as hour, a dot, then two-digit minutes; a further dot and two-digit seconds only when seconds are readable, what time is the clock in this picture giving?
10.52
